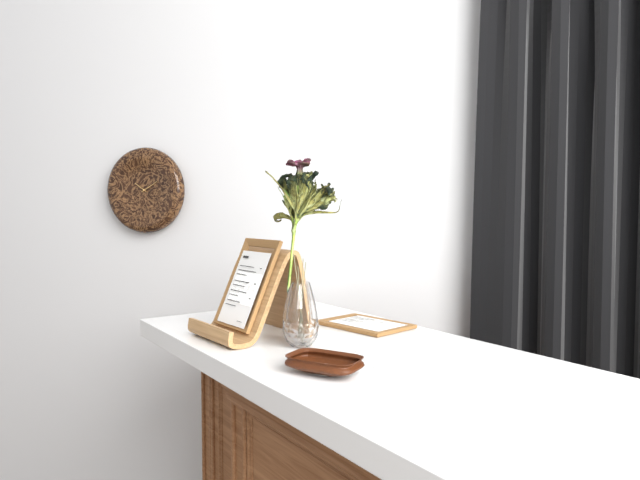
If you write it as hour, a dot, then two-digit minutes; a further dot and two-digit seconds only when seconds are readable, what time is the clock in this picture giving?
10.10
